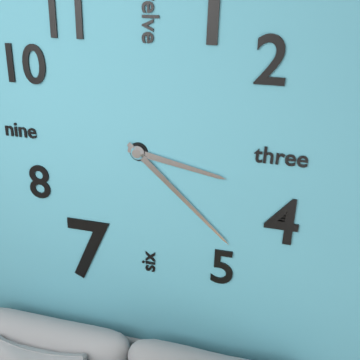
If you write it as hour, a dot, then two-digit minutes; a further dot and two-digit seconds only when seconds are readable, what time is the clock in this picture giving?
3.22
